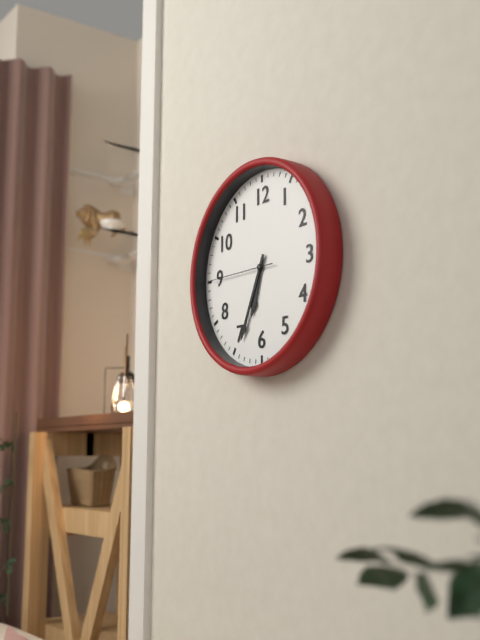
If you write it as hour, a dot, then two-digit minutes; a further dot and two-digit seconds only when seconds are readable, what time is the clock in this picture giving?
6.34.45
